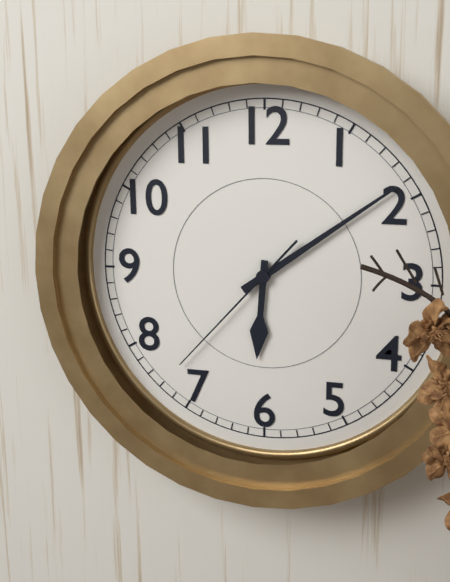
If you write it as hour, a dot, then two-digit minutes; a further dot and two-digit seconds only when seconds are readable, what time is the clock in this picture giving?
6.09.37
